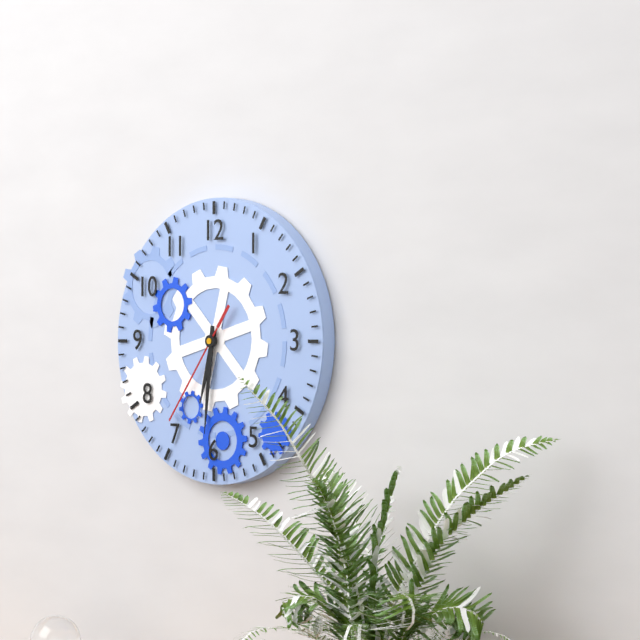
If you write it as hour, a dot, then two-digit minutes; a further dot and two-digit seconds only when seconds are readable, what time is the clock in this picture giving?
6.31.36
